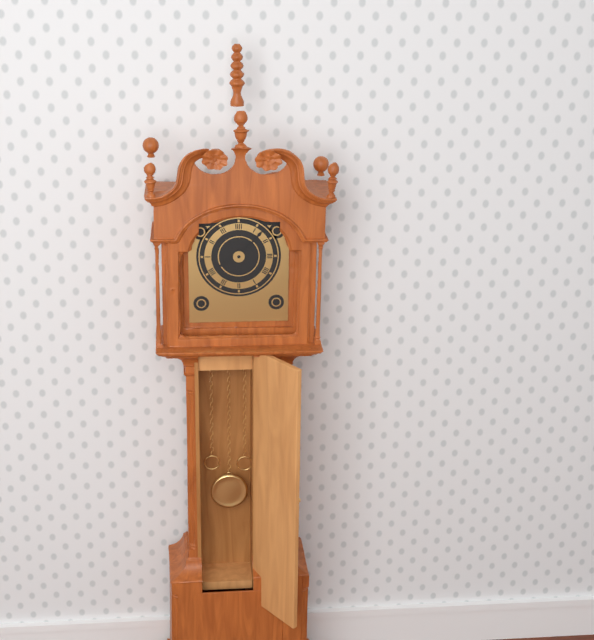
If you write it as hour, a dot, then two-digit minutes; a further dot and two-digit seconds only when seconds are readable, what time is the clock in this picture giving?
8.07
